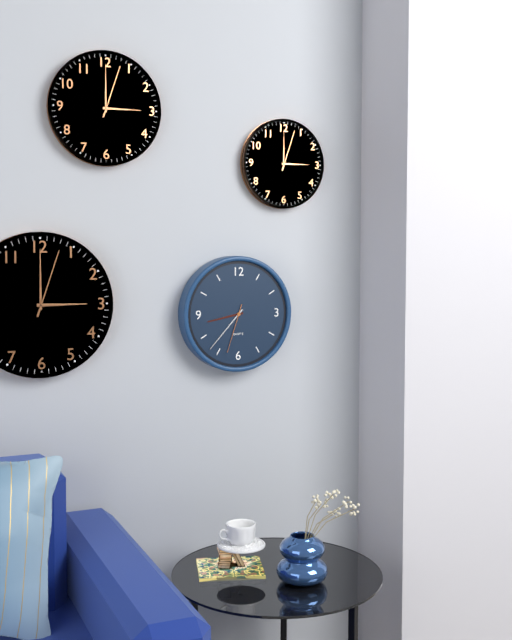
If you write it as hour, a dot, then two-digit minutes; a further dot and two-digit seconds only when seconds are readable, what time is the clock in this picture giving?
8.37.33
